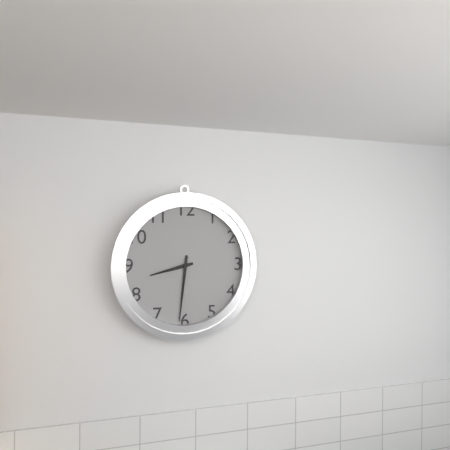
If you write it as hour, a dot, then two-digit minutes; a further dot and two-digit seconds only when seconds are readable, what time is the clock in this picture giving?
8.31
